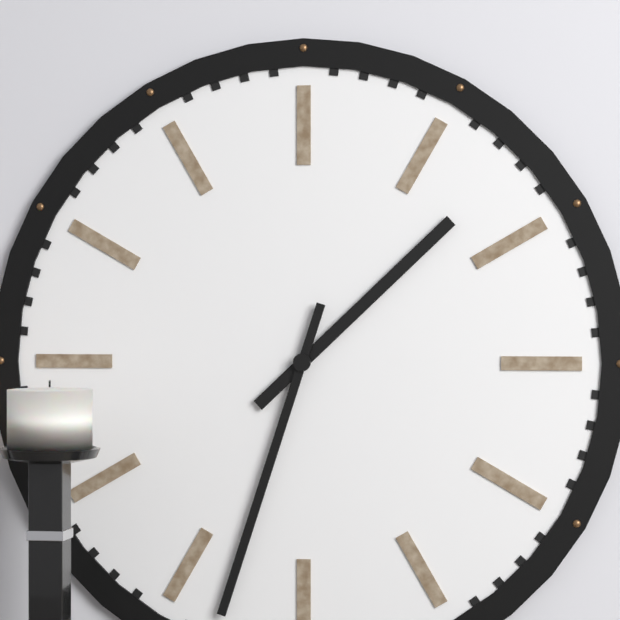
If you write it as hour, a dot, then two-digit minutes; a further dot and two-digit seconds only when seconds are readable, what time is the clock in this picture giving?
1.33
